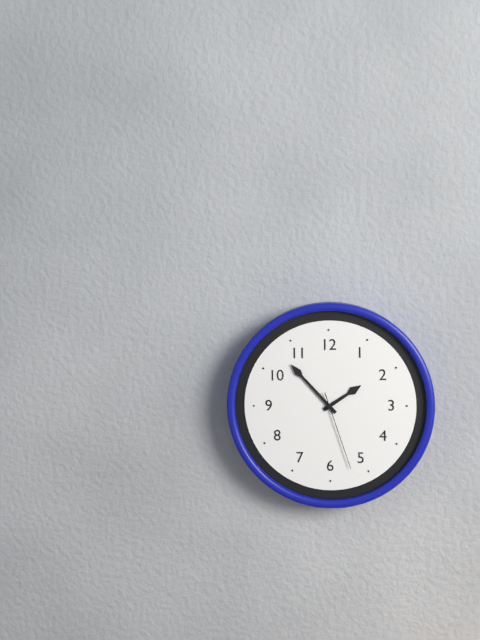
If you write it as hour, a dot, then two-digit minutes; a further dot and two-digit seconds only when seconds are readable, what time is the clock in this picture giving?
1.53.27
